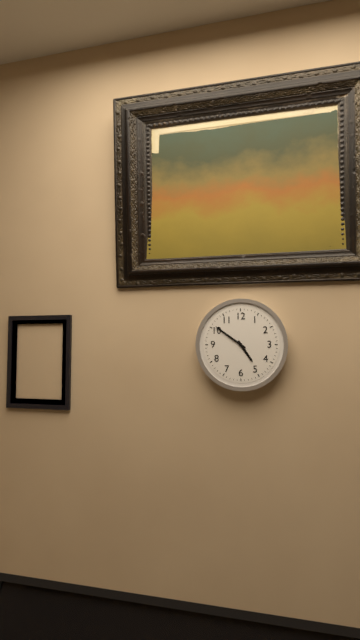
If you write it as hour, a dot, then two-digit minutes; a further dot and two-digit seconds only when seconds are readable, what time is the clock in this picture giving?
4.51
